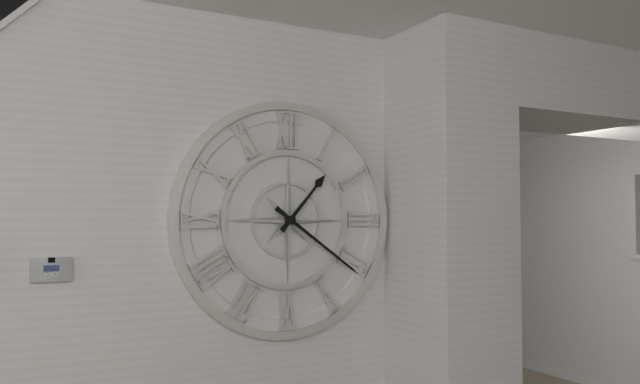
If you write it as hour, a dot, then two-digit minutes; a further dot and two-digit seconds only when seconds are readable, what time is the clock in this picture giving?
1.21
